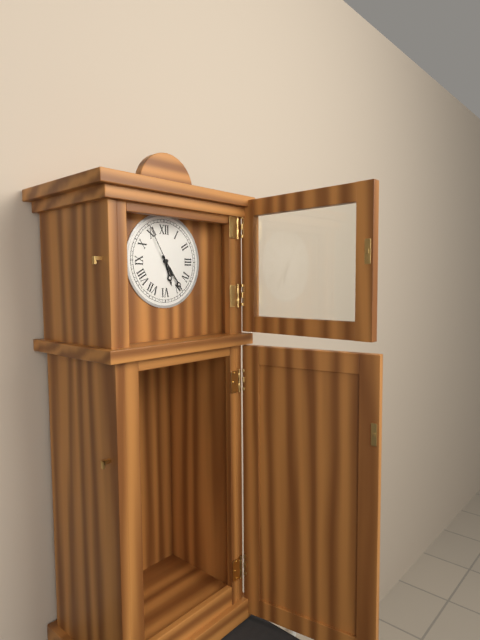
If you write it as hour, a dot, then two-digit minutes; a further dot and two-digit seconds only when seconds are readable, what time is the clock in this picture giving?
5.24.55
